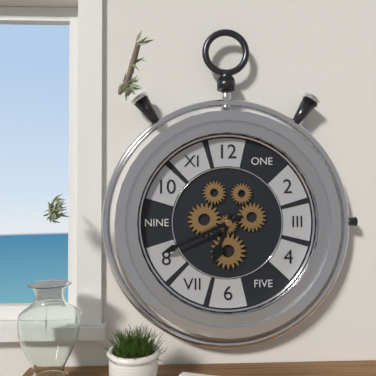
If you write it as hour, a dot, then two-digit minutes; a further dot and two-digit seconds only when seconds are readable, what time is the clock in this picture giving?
6.41
